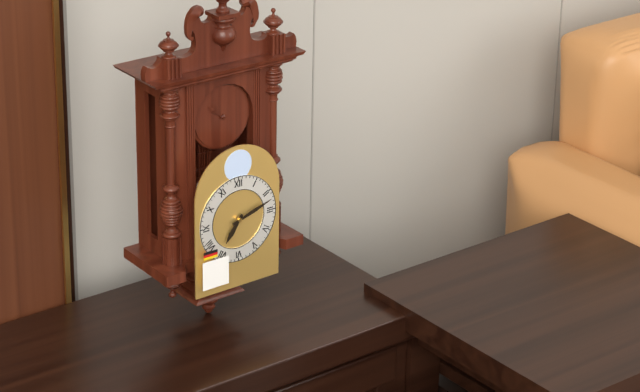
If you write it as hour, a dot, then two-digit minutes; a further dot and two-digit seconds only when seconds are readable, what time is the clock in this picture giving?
7.12
